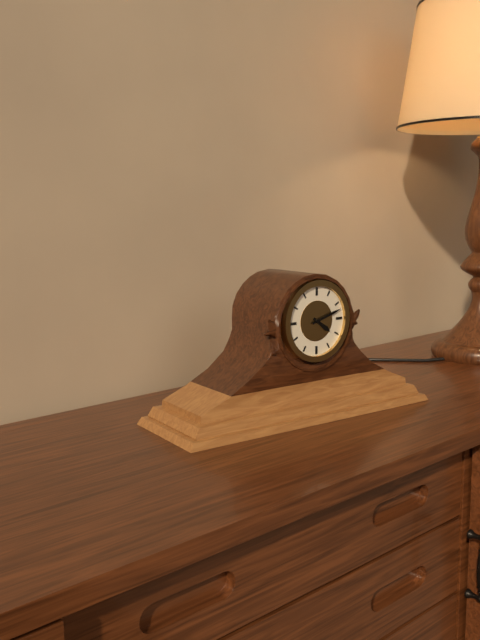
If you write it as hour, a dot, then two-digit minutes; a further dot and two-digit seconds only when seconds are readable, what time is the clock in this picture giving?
4.12
